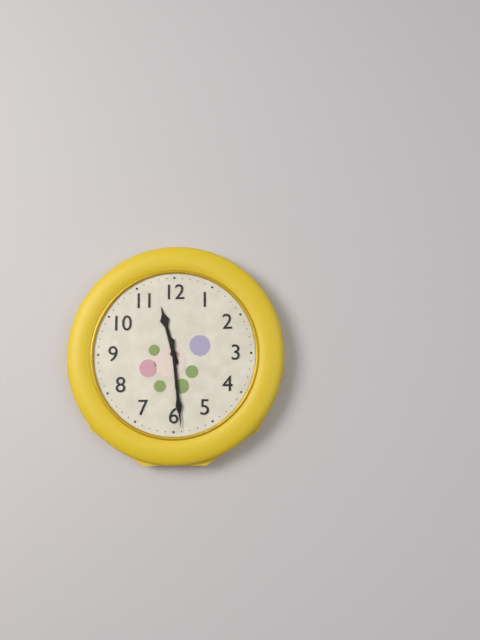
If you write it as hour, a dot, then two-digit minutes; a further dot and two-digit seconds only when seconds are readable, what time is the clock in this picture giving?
11.29
